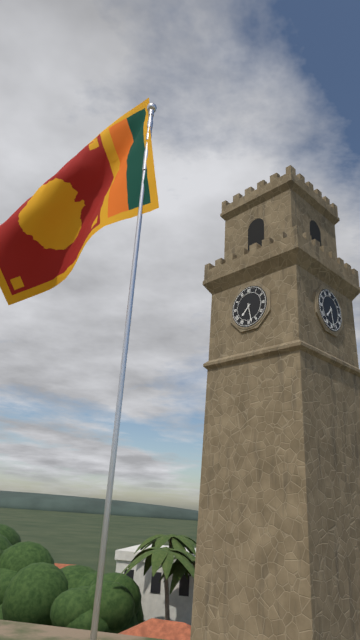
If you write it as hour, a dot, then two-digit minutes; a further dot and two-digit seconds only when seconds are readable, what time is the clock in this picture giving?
7.28
